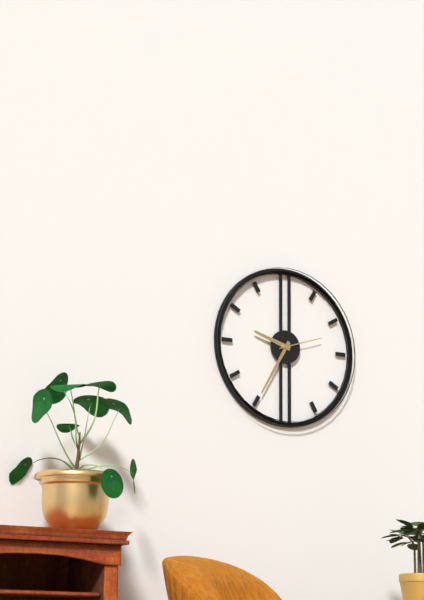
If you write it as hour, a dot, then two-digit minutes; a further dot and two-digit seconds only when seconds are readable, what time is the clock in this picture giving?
9.35
